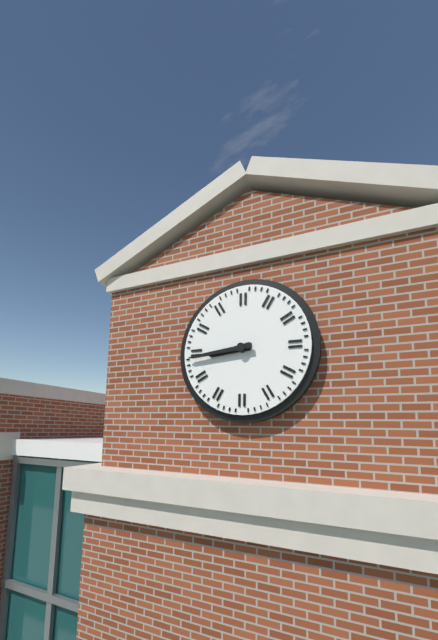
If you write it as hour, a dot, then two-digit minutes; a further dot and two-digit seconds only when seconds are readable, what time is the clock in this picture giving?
8.44
